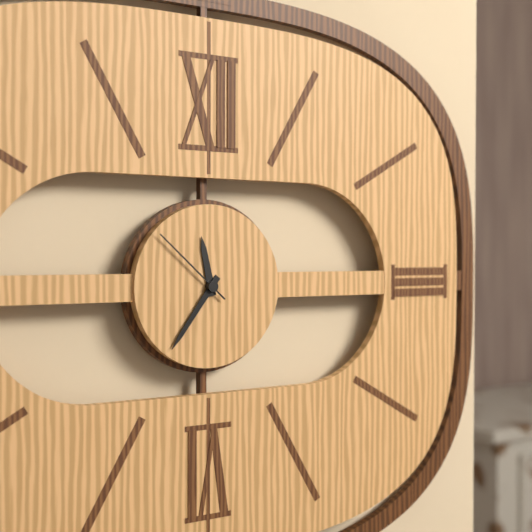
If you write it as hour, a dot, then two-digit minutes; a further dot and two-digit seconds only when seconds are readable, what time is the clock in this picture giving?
11.36.52
